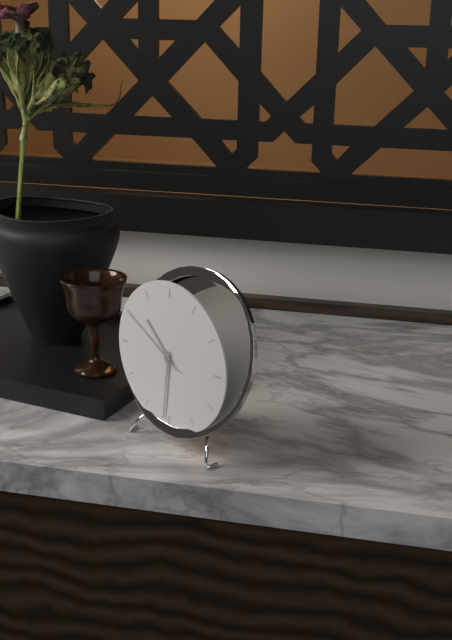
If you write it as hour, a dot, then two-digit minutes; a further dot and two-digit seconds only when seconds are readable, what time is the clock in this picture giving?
10.31.50
